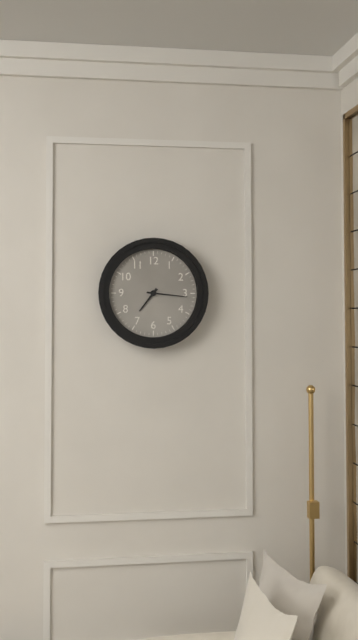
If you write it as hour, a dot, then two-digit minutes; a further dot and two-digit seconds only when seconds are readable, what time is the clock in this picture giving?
7.16
